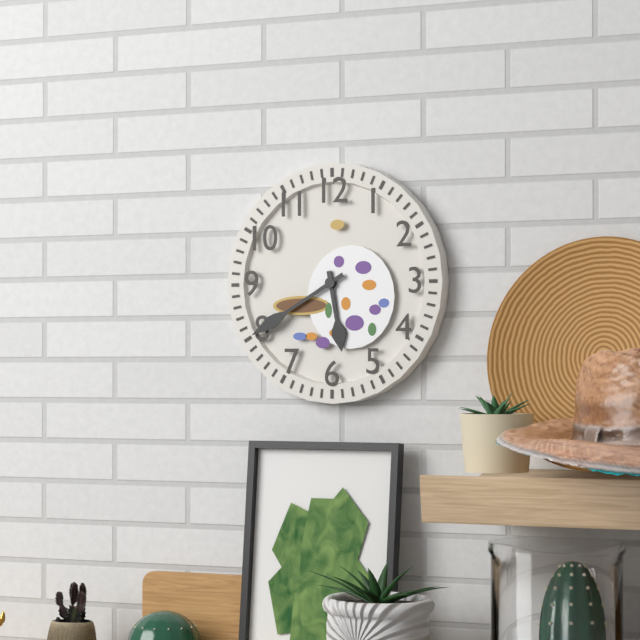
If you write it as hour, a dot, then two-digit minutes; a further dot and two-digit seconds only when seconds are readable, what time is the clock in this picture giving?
5.40
